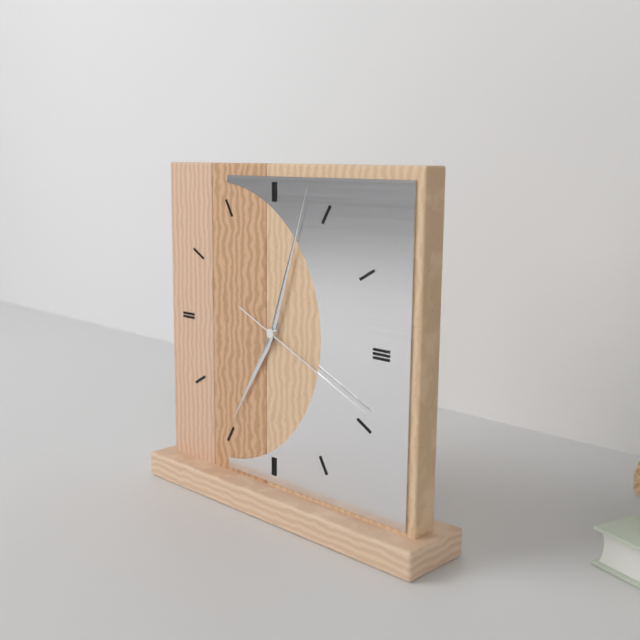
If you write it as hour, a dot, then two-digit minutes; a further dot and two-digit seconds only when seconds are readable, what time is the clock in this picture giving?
7.03.19
